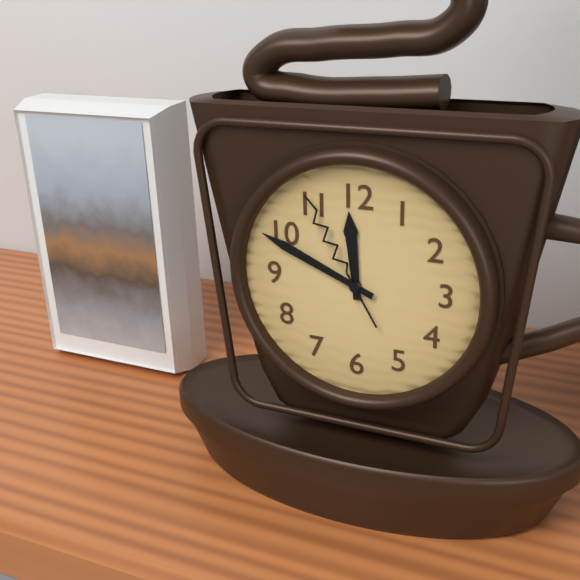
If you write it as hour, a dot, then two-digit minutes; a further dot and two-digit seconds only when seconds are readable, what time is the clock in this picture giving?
11.49.55
